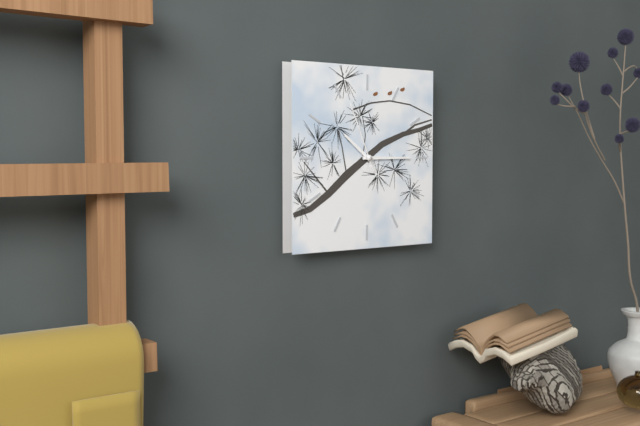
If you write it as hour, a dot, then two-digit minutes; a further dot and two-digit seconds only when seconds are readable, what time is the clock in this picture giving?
10.15.56
